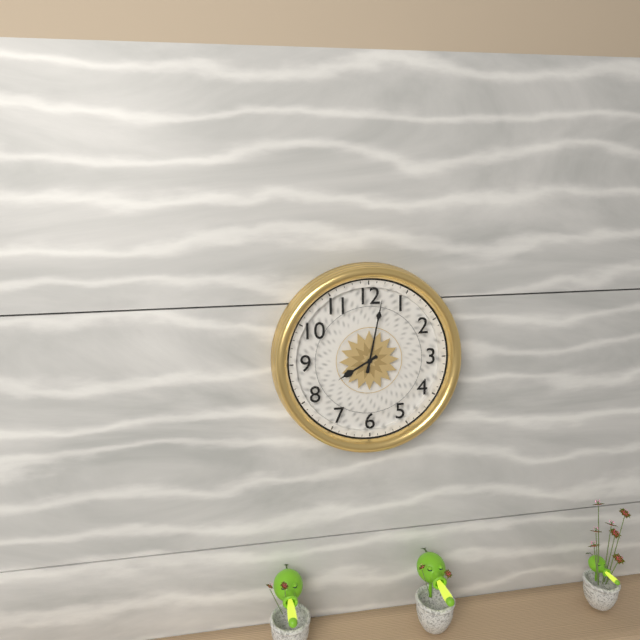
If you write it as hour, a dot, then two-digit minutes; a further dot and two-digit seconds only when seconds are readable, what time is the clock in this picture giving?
8.02
